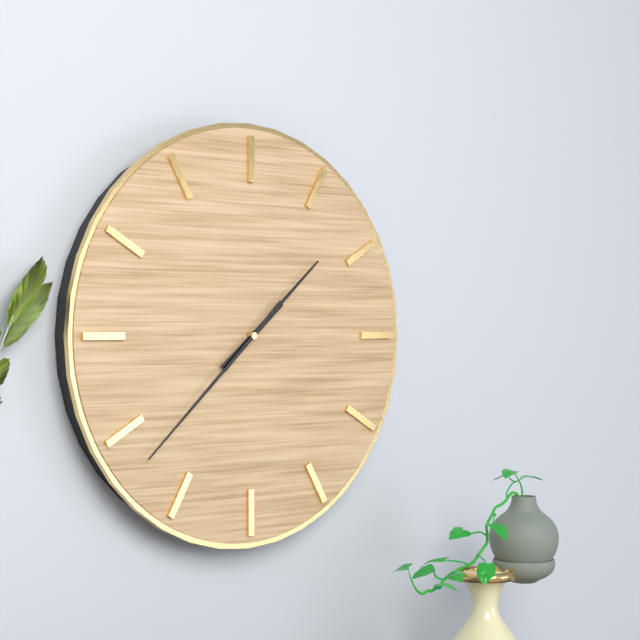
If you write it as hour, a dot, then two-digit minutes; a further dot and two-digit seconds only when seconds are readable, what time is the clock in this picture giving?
1.38
